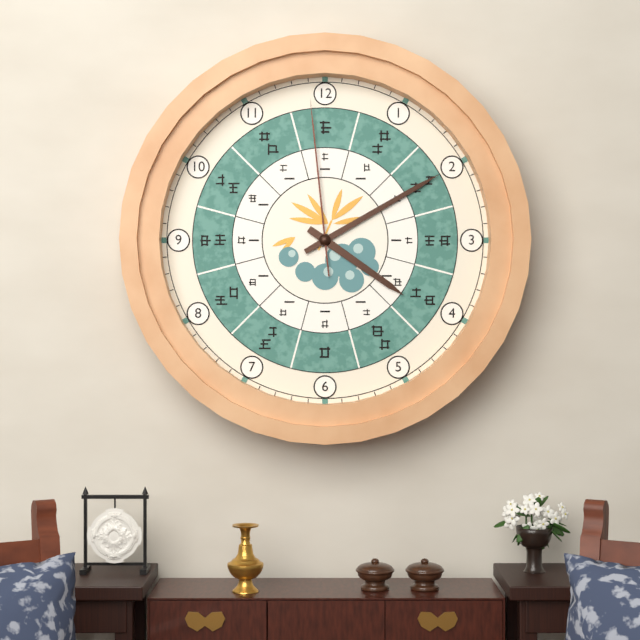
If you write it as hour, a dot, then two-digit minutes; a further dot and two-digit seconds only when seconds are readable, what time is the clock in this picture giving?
4.10.59
